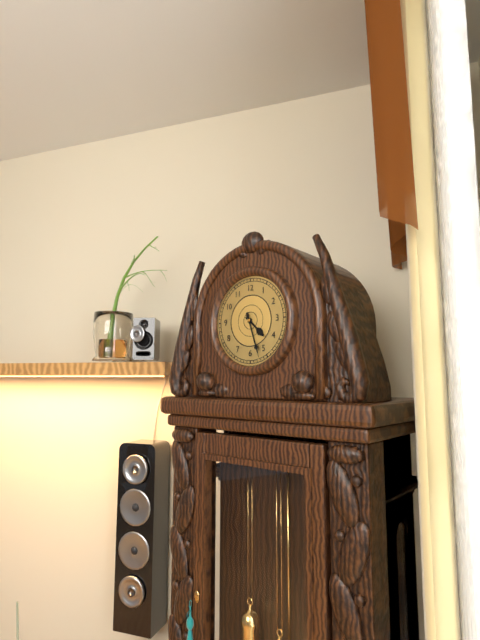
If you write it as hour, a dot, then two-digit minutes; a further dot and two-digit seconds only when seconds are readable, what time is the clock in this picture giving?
4.27
